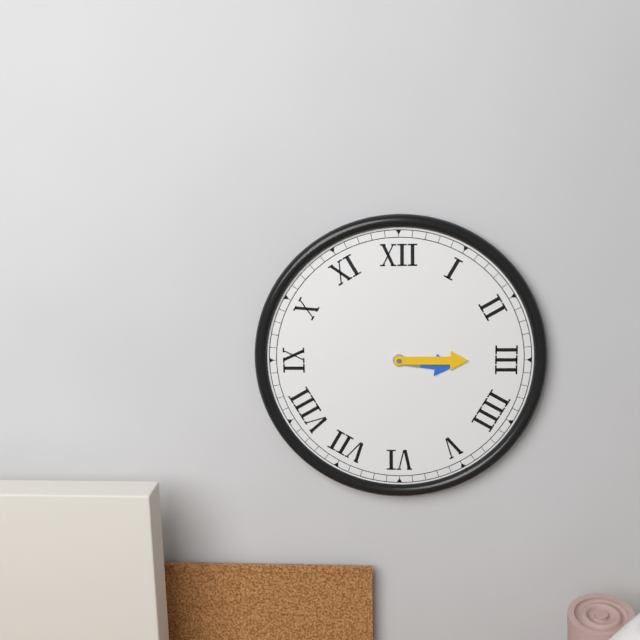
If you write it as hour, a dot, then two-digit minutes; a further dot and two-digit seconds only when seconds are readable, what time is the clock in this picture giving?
3.15
